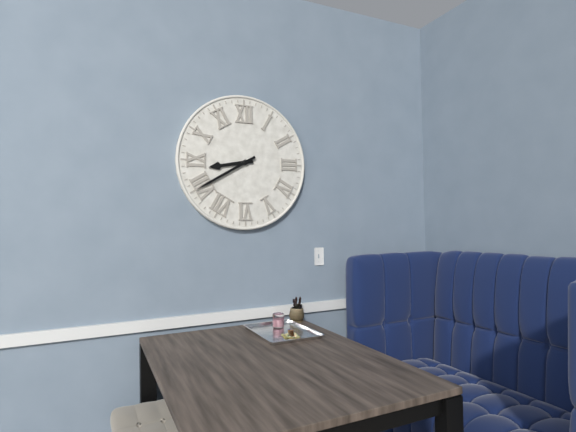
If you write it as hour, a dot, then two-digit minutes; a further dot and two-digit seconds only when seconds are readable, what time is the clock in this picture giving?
8.40
